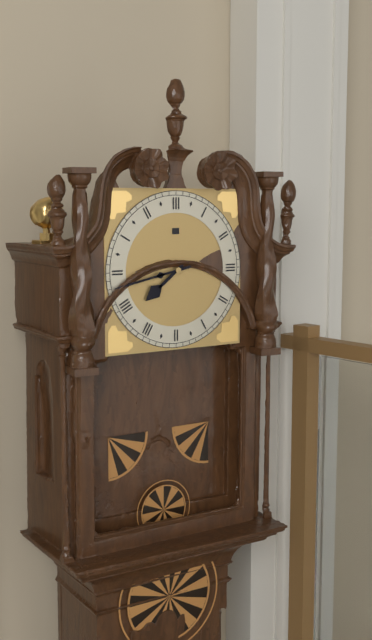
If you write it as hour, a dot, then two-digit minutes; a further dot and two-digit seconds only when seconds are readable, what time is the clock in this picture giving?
7.43
